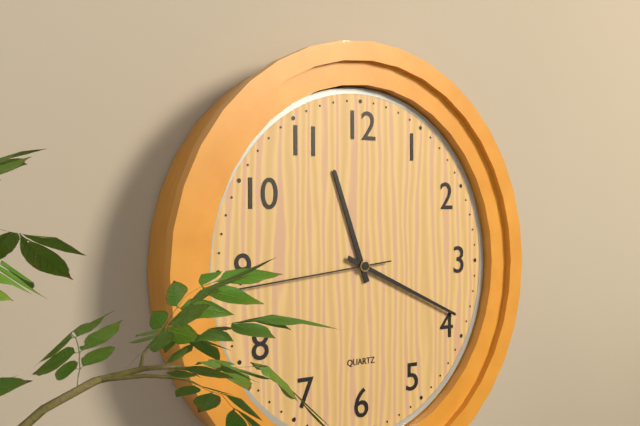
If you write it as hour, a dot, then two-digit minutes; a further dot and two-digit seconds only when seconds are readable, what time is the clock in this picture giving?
11.19.44
